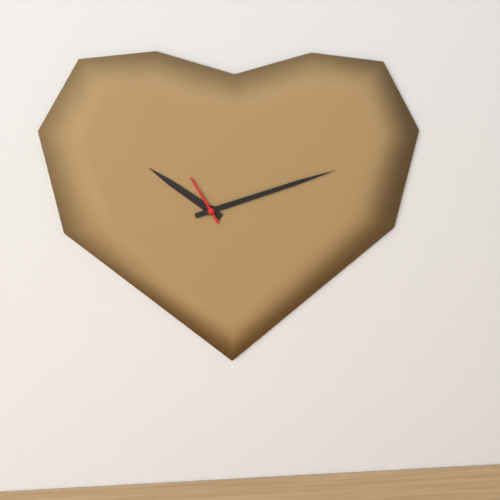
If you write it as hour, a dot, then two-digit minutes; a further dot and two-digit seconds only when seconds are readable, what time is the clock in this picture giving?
10.12.55
